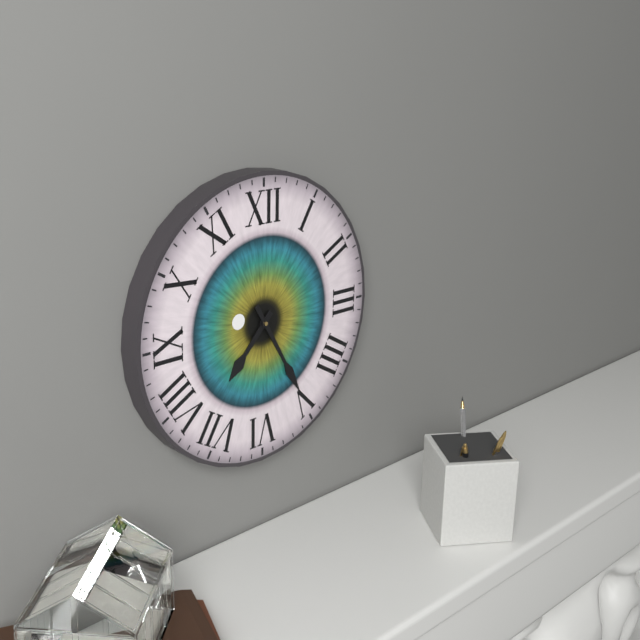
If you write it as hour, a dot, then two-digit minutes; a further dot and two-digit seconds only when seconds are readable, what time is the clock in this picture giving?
7.25
